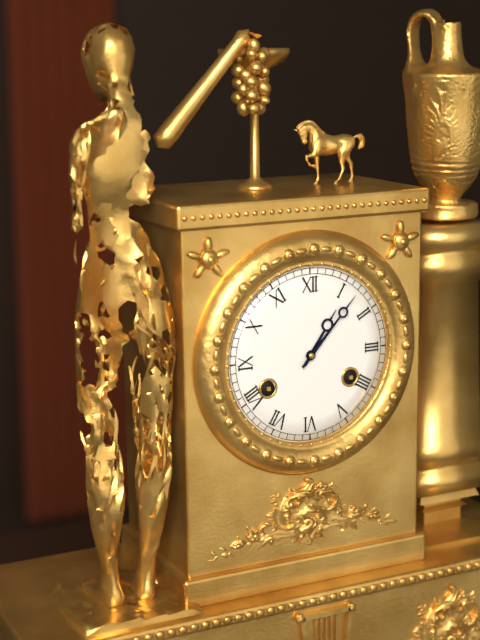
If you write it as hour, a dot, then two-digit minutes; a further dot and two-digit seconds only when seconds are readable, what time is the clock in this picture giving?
1.07
